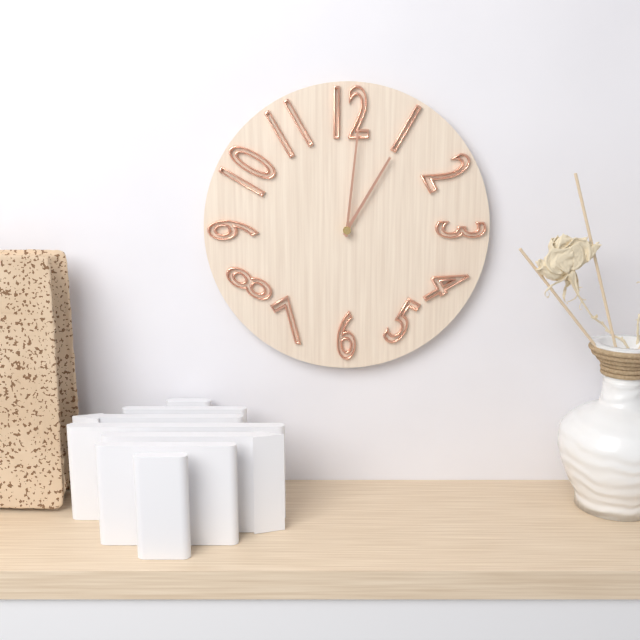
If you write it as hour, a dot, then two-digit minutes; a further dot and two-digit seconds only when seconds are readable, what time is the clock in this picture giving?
1.01
